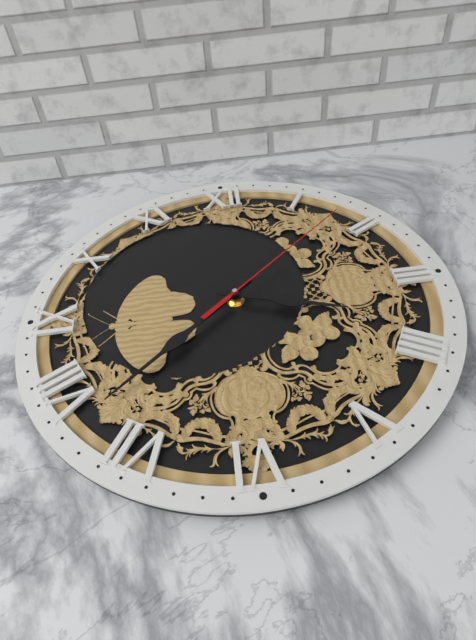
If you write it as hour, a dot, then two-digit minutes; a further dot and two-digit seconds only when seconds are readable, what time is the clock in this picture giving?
3.38.08
